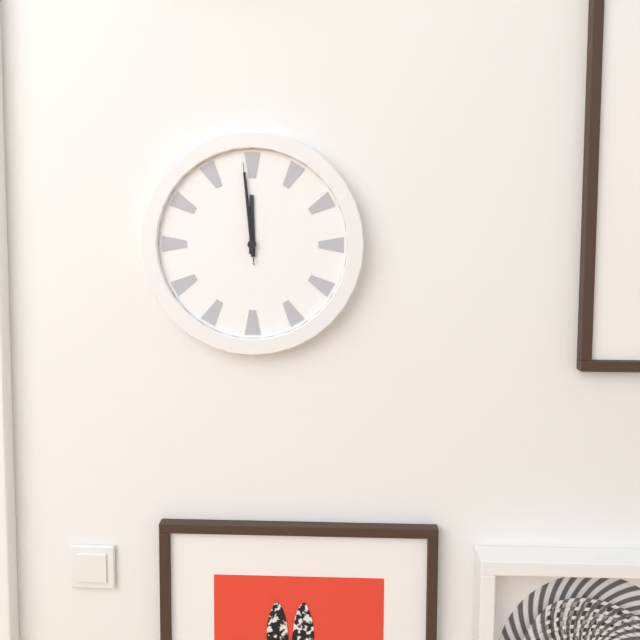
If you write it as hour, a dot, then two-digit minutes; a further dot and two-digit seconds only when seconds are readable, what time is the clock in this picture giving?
11.59.59
